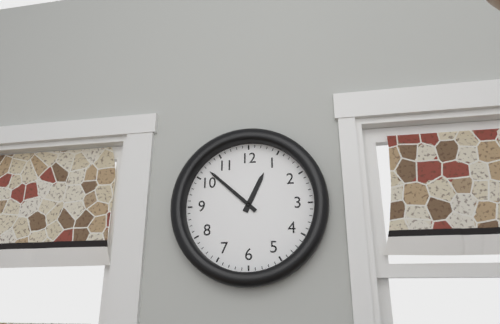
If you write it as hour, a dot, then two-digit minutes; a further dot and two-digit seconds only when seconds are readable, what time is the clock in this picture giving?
12.52
